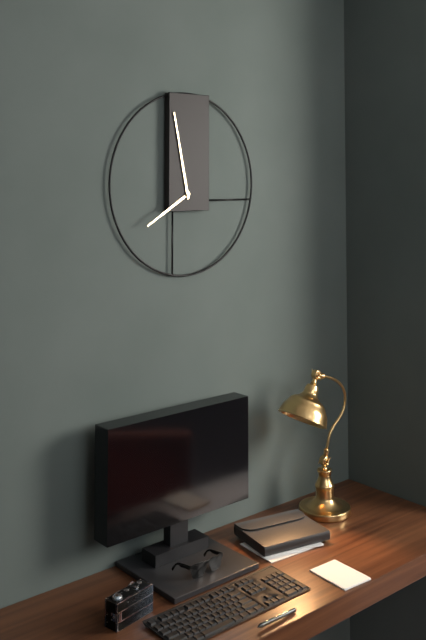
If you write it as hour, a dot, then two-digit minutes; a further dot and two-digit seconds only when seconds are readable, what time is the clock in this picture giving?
7.58
